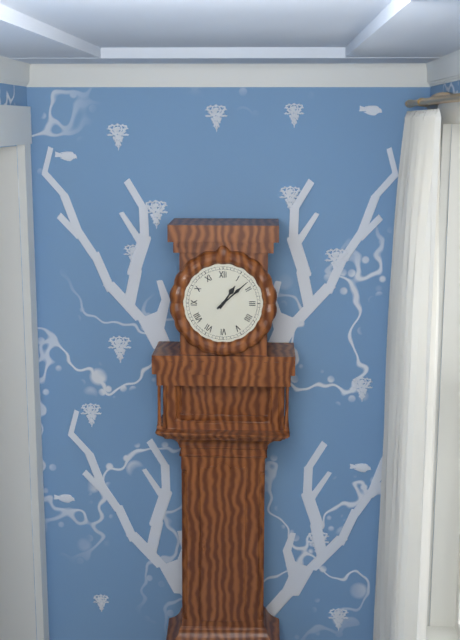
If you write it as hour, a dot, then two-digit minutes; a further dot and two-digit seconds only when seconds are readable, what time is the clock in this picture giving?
1.08
